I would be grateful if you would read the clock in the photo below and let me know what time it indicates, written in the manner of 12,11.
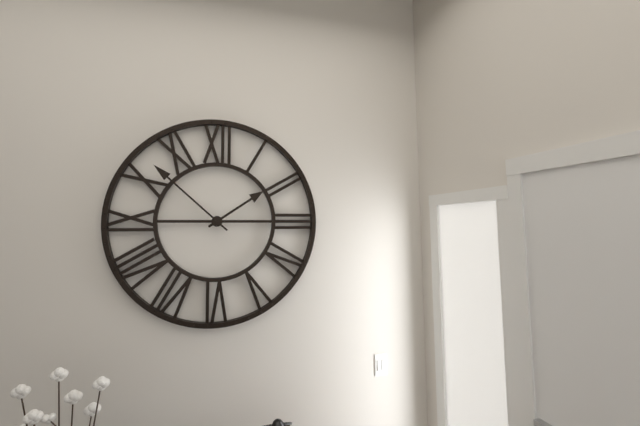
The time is 1,52
